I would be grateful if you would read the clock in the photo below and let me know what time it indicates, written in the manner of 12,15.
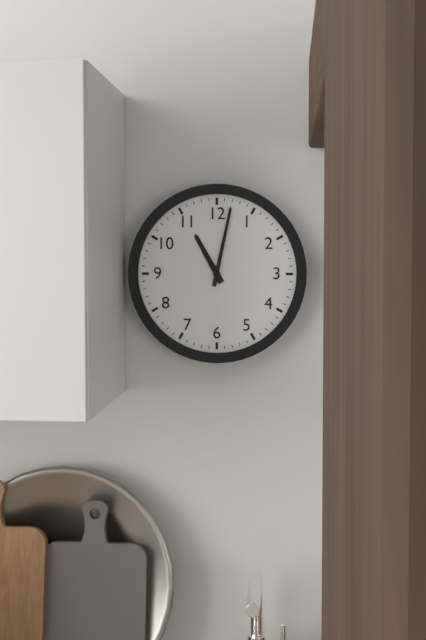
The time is 11,02
